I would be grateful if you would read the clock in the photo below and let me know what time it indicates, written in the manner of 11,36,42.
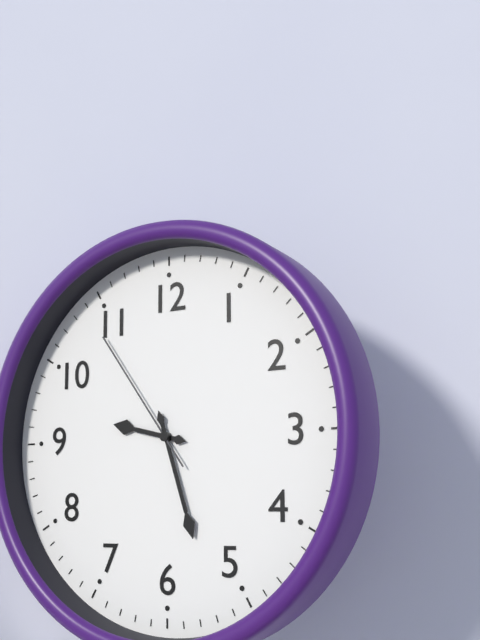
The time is 9,27,54
